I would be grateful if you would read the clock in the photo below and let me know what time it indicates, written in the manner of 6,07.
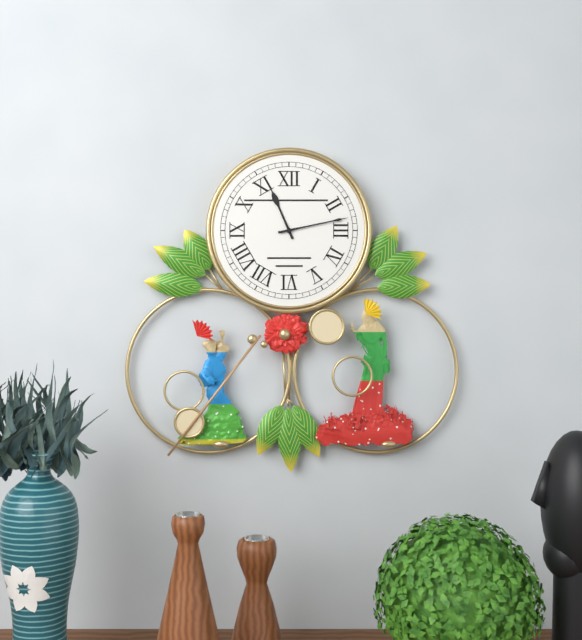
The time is 11,13
